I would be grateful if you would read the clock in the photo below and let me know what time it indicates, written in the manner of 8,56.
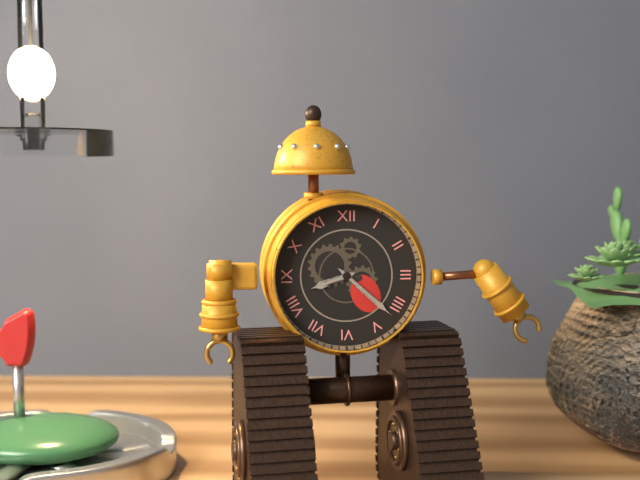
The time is 8,22
